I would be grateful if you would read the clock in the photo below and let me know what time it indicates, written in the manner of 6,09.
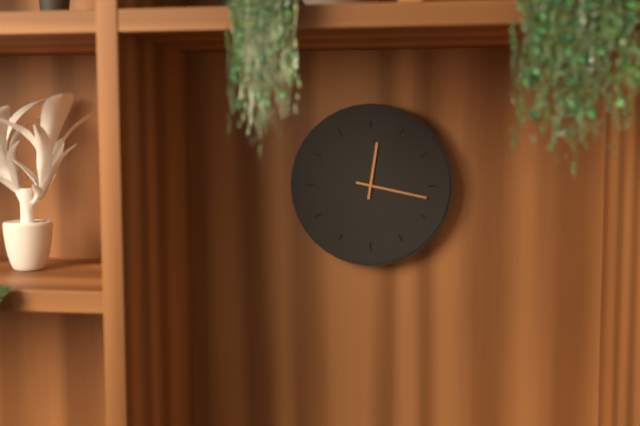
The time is 12,17
